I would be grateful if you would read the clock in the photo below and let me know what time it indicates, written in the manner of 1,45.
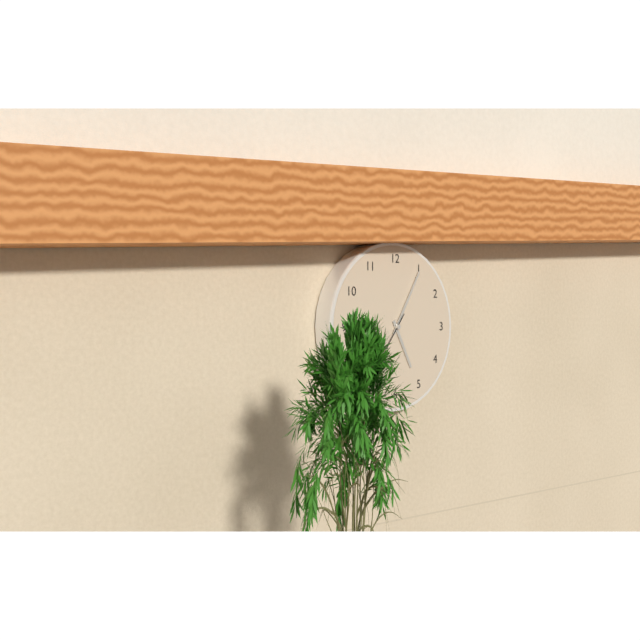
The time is 5,05
